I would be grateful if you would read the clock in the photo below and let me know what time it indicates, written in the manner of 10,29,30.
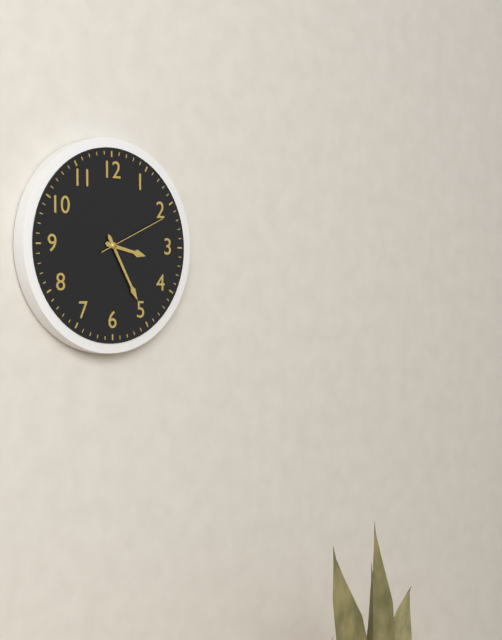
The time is 3,25,11
